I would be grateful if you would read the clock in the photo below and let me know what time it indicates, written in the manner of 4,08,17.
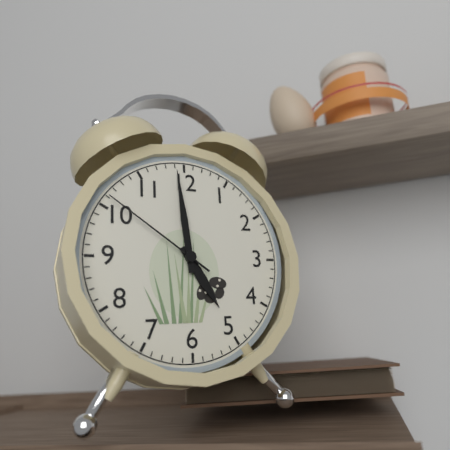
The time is 4,59,51
